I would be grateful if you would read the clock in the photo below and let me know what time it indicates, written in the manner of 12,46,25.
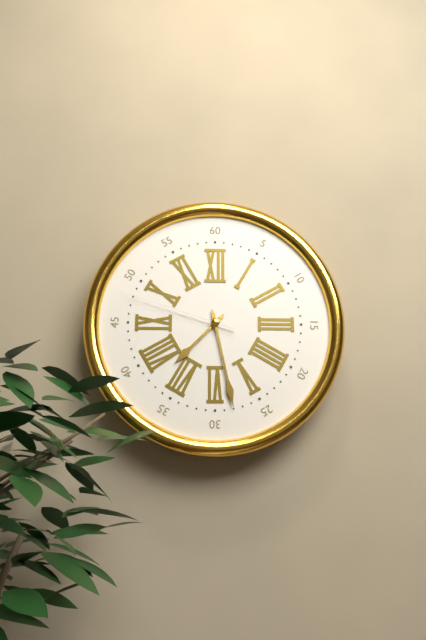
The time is 7,28,48
